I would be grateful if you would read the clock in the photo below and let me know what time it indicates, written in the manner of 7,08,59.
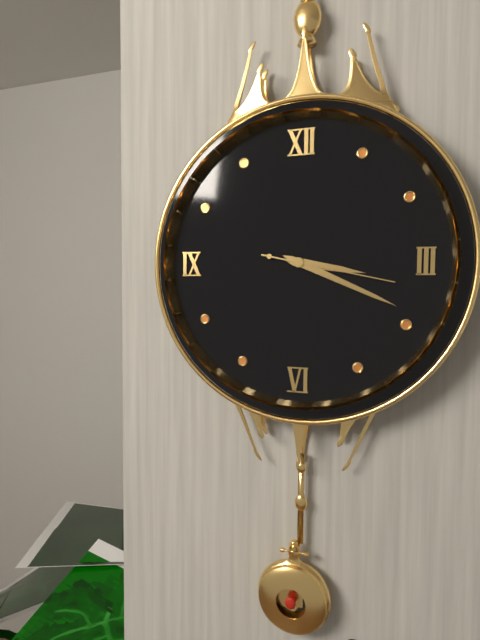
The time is 3,19,17
